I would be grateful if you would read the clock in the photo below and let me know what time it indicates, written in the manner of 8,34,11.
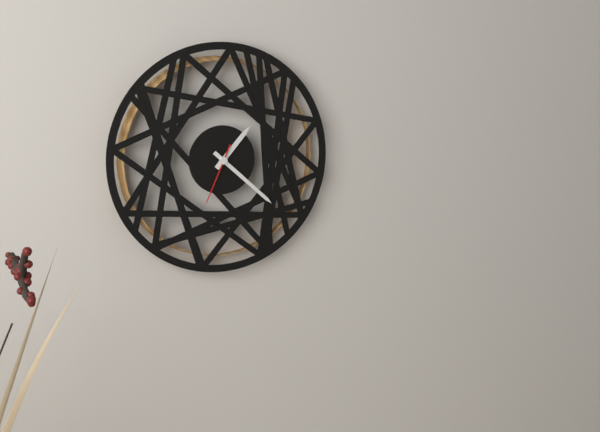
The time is 1,22,34
